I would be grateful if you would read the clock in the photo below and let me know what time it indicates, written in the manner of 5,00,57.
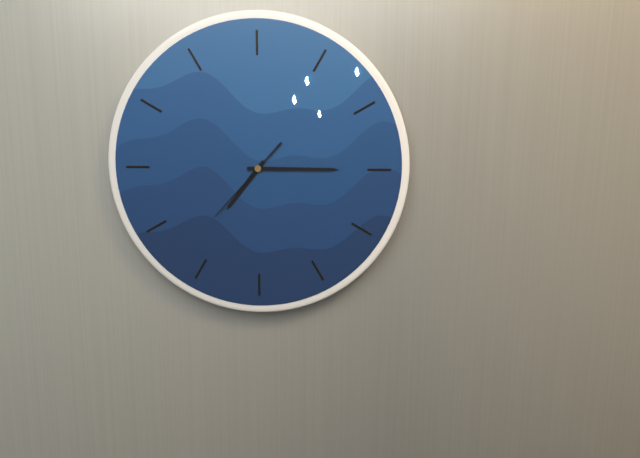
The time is 7,15,37
